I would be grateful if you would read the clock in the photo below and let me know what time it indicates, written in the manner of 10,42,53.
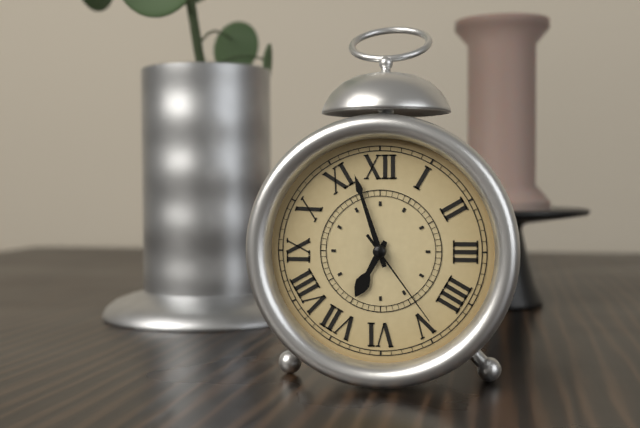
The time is 6,57,24
